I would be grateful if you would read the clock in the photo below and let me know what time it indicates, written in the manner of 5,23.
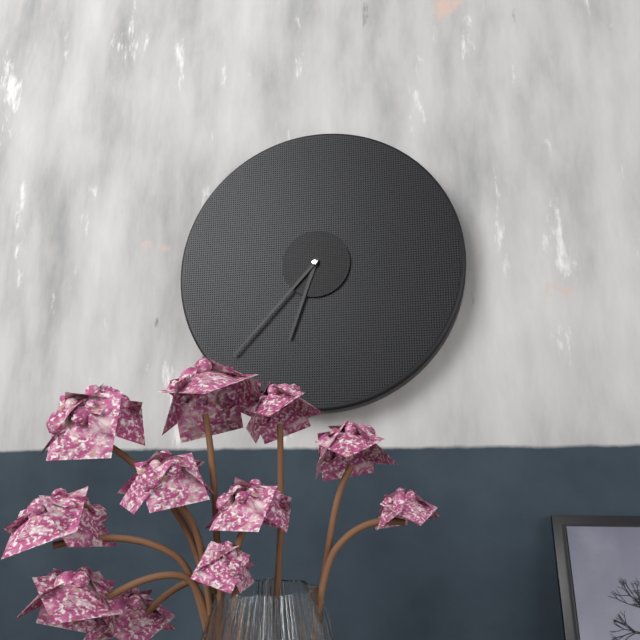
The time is 6,37
